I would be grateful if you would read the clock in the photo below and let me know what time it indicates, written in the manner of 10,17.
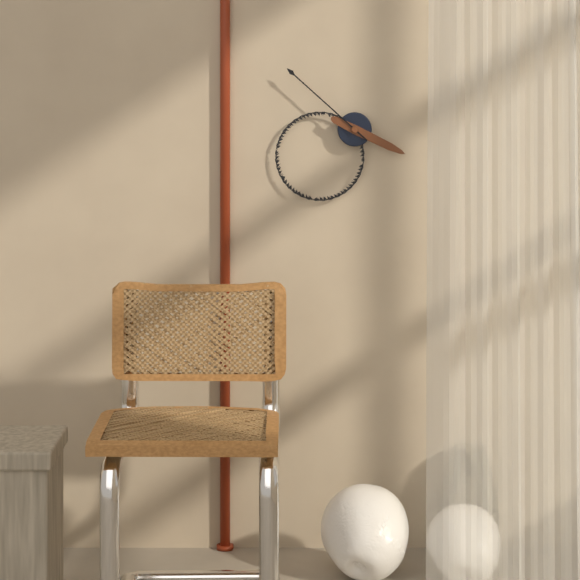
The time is 3,52
